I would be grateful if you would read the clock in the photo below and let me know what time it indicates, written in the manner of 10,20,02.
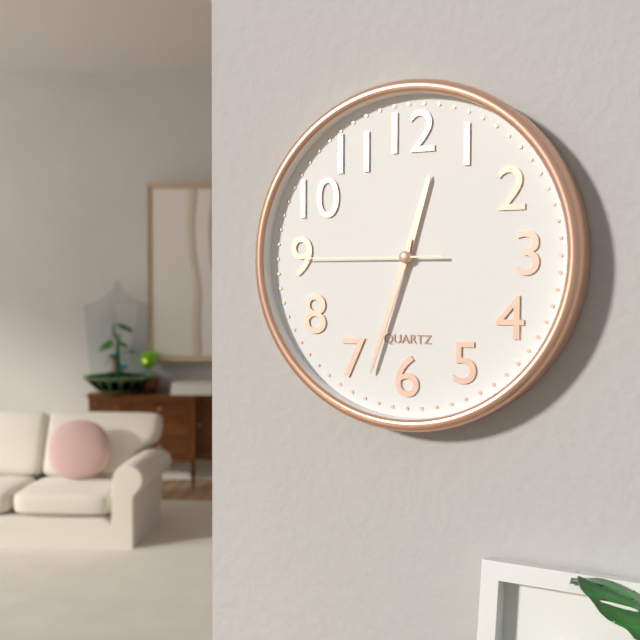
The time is 12,33,45
